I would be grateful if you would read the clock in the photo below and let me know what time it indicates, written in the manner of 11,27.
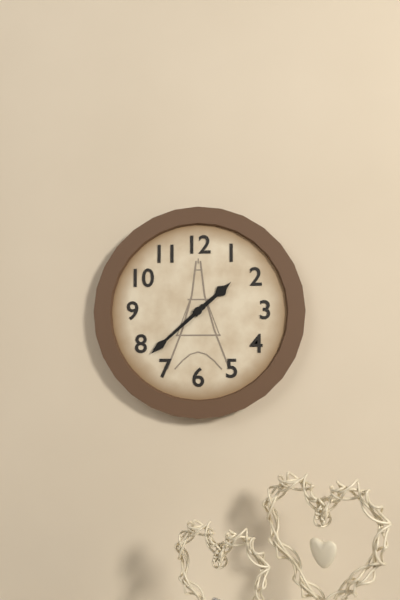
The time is 1,38
